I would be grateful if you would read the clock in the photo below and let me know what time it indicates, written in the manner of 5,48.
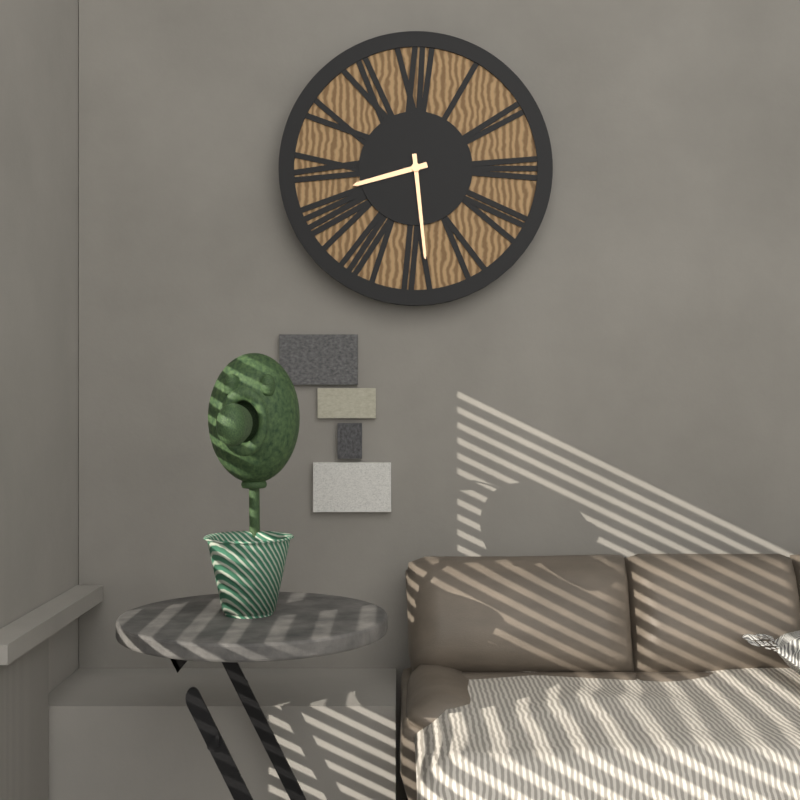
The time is 8,29
